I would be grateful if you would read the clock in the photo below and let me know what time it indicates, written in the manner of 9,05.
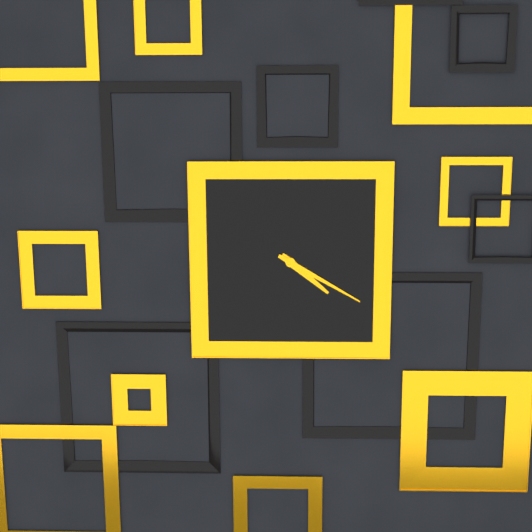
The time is 4,20
